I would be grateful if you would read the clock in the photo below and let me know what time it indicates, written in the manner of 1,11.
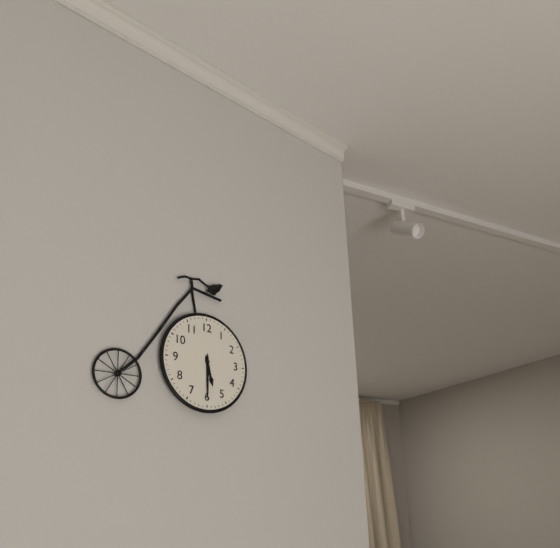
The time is 5,30
